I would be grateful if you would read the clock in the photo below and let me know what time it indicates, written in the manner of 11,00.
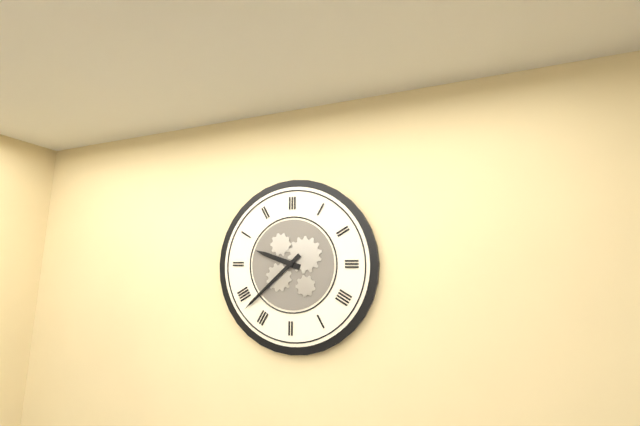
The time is 9,38
